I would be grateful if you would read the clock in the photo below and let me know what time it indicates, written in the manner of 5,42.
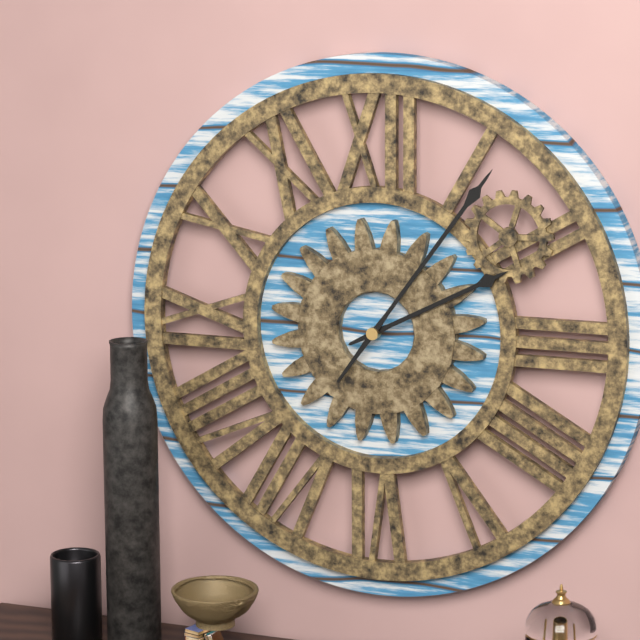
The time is 2,06
